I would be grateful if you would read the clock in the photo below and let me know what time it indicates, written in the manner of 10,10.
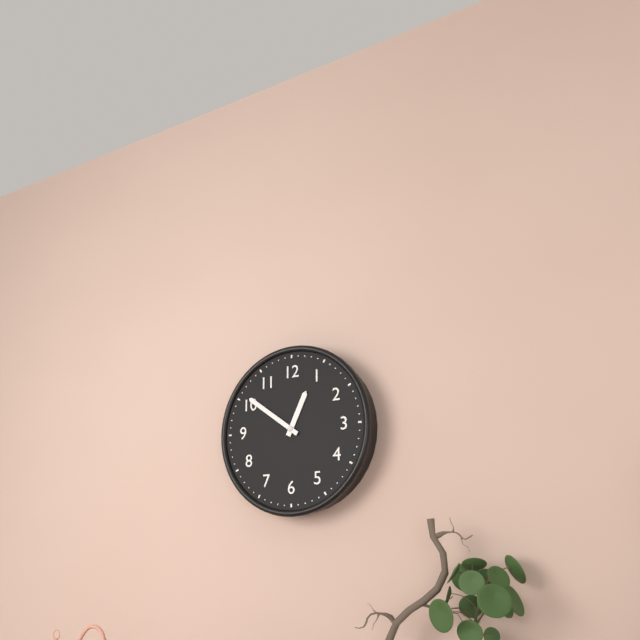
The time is 12,51
